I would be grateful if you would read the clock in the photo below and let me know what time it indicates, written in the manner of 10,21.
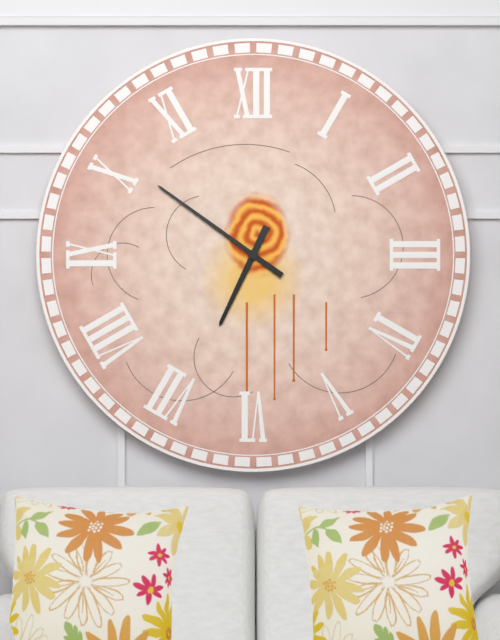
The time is 6,51
